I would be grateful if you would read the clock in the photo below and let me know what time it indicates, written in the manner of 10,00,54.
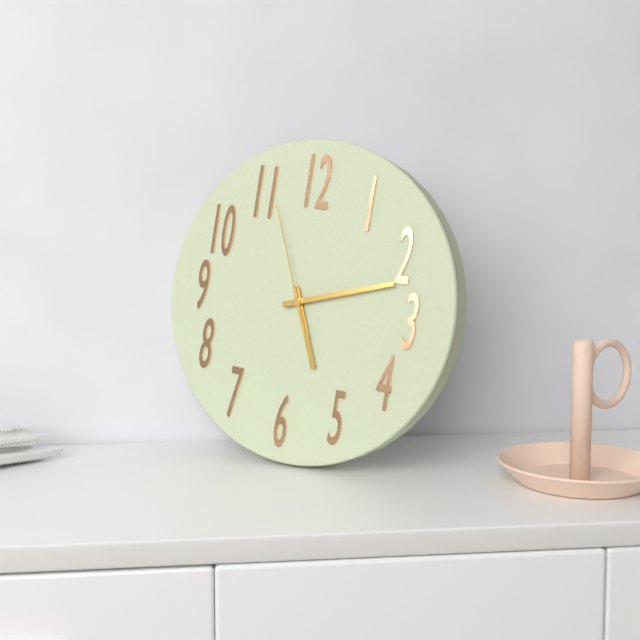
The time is 5,12,56
